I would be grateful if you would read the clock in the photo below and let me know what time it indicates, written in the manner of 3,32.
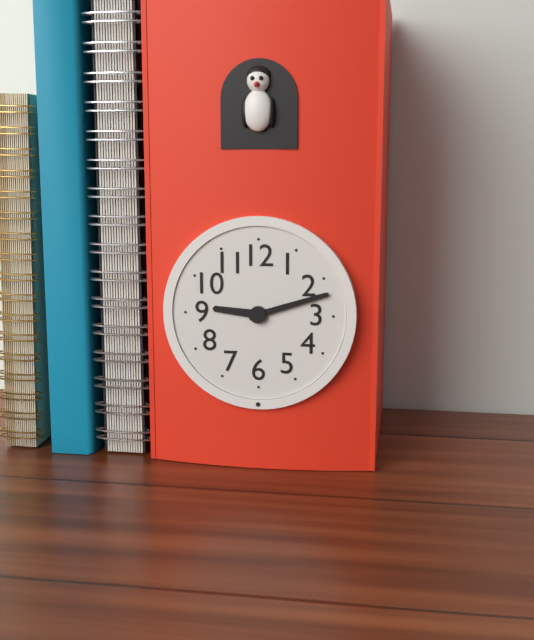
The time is 9,12
